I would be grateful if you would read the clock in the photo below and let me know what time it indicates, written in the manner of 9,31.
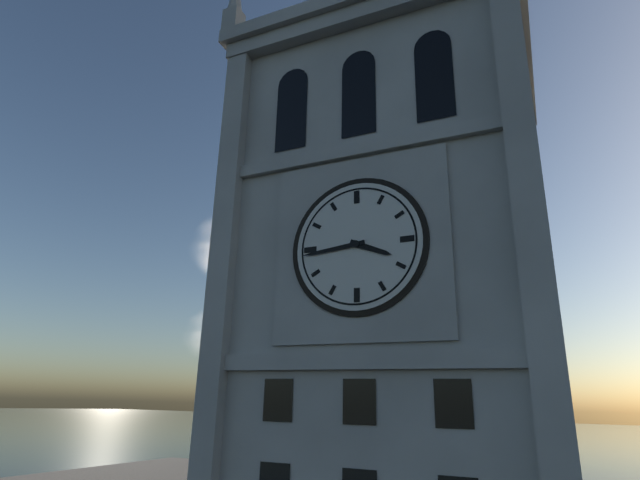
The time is 3,44
